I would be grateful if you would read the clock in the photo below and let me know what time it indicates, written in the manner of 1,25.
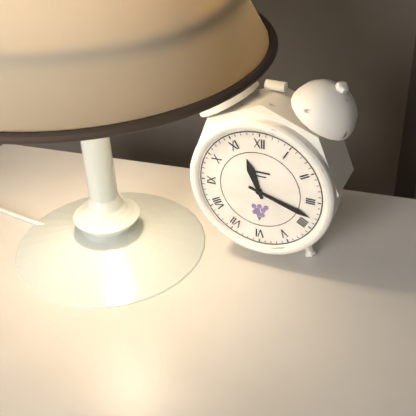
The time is 11,18
